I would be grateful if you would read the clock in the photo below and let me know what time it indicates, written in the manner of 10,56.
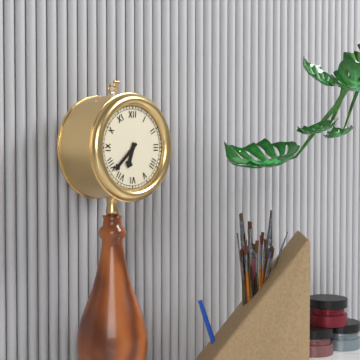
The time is 6,38
